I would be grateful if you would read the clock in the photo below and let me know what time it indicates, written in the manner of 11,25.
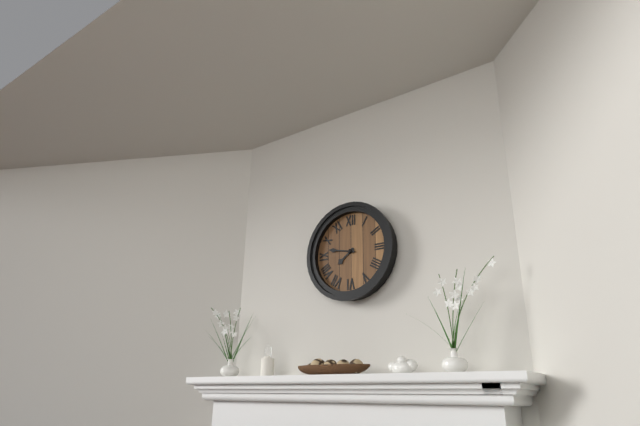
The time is 7,47
